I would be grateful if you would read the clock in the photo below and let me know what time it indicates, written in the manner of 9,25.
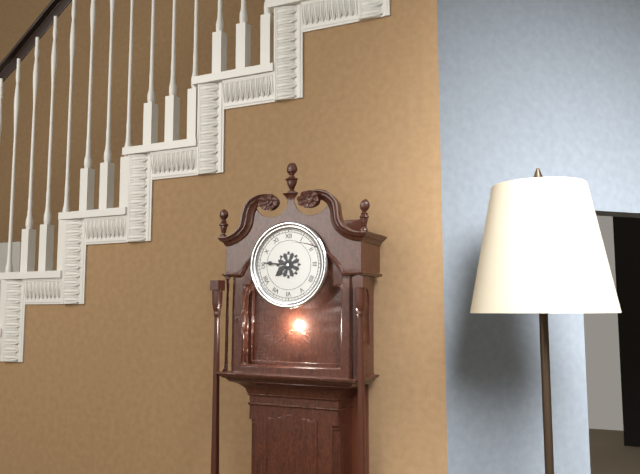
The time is 7,46
